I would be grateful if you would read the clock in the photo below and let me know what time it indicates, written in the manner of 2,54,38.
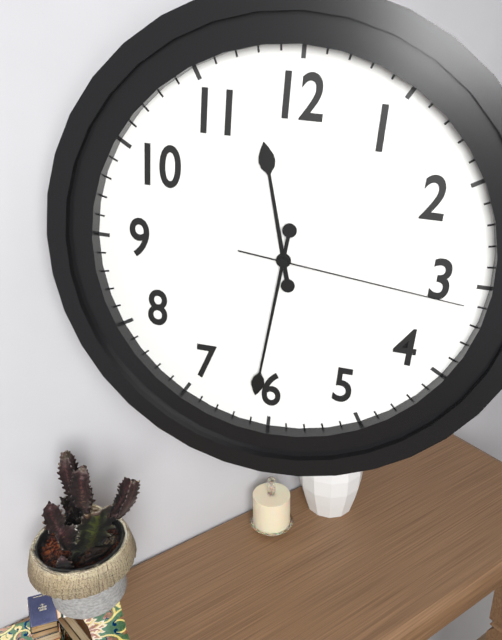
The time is 11,31,16
